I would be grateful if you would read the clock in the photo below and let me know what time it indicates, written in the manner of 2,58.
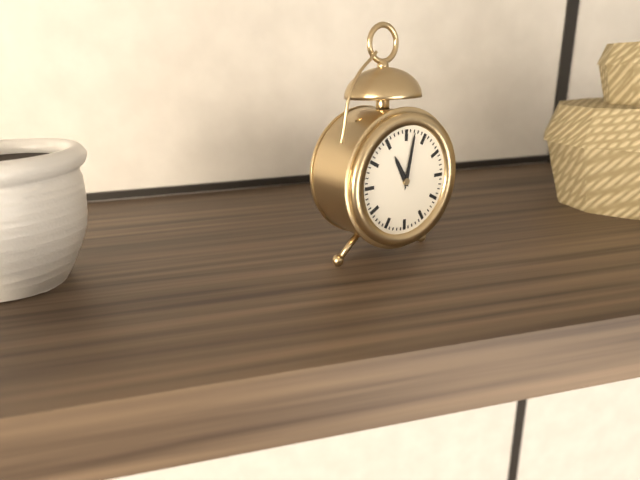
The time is 11,02
